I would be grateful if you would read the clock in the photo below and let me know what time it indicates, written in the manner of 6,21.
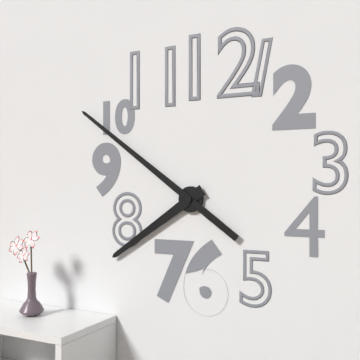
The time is 7,51
